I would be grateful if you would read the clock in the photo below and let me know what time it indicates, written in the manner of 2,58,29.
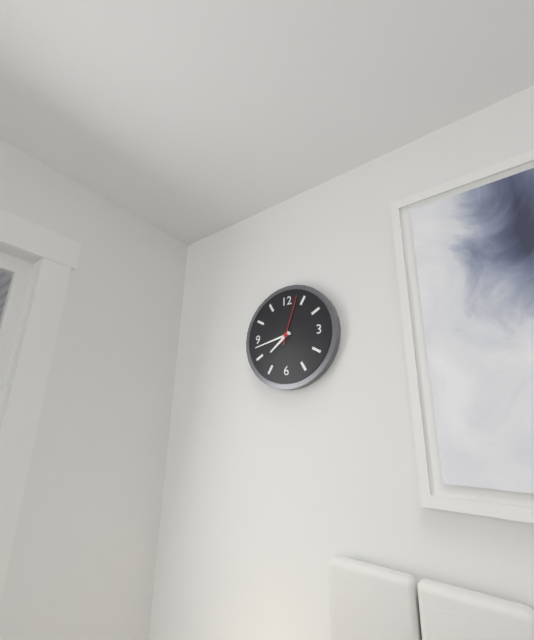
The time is 7,43,03
